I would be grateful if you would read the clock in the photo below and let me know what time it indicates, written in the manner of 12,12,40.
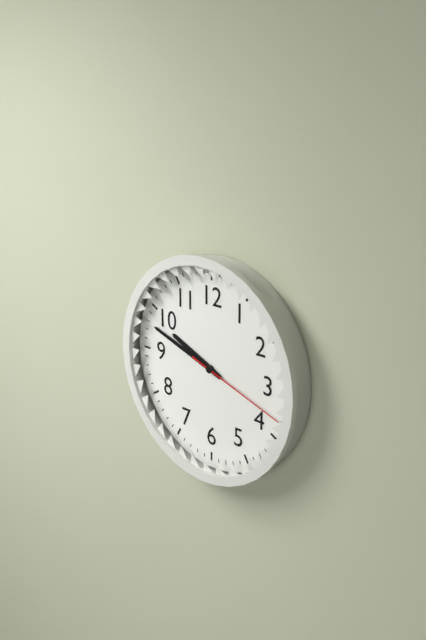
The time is 9,48,18
